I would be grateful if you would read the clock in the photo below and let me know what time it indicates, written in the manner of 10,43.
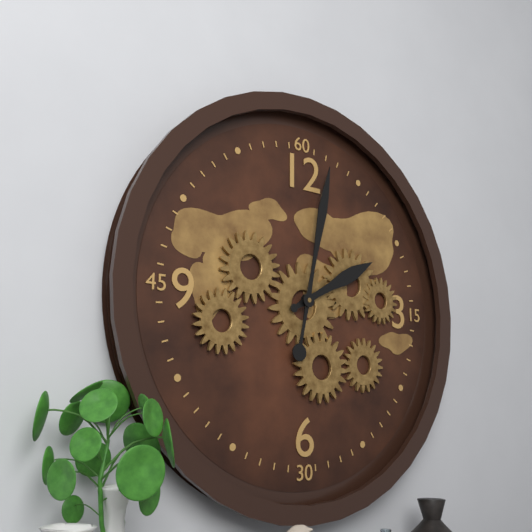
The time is 2,02
